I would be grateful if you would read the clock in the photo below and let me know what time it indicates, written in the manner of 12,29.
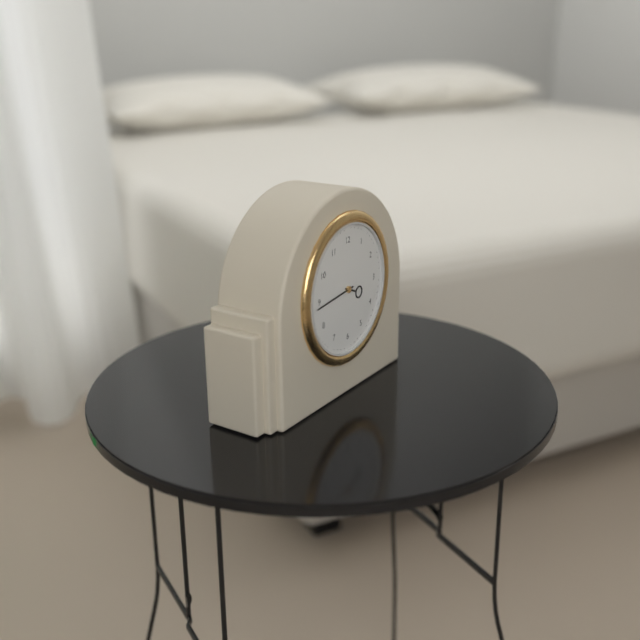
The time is 3,44
